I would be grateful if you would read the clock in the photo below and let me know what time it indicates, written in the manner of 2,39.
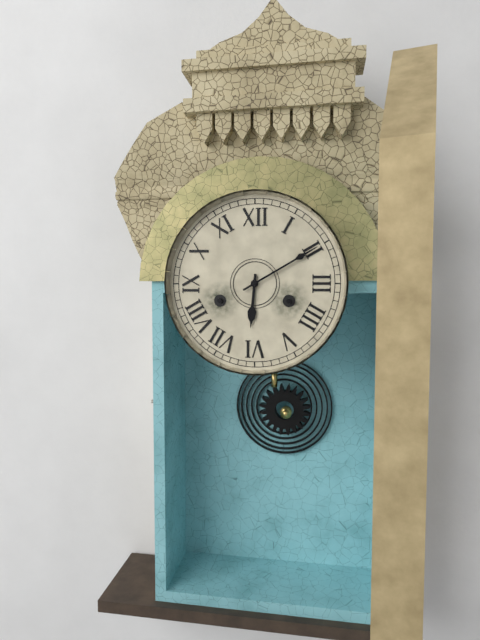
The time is 6,10
